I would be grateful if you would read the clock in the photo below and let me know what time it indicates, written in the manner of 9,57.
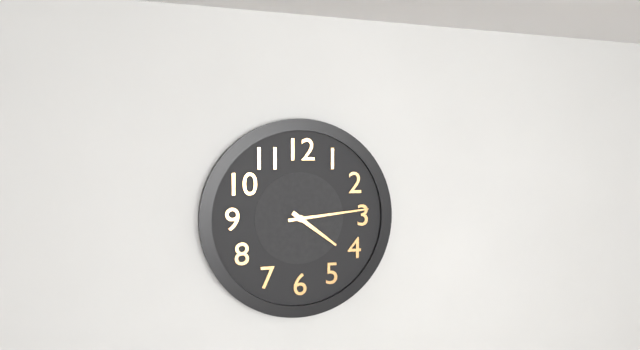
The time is 4,14
